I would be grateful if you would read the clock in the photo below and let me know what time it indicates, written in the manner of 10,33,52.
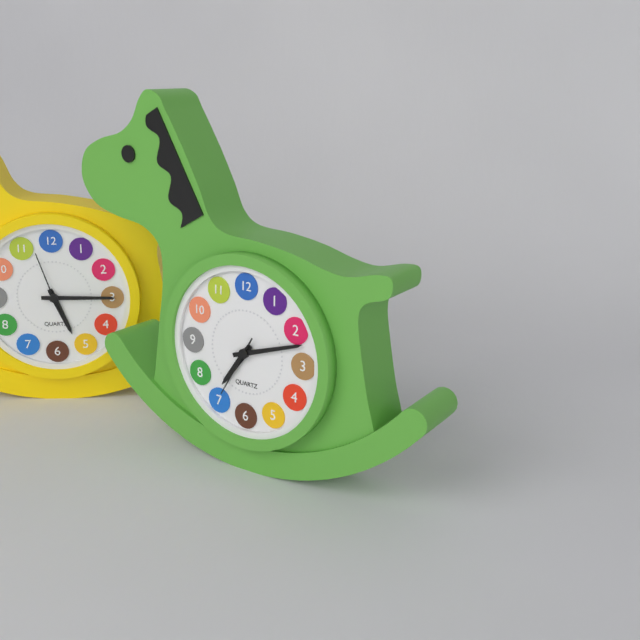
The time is 7,12,35
